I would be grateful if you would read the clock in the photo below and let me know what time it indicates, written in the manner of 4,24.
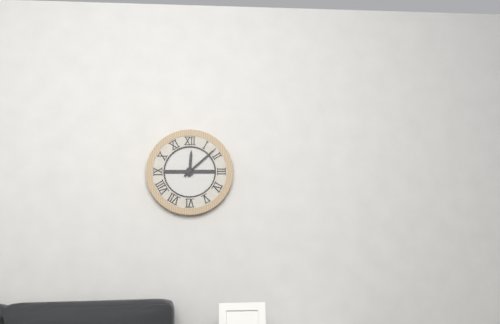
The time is 12,08
